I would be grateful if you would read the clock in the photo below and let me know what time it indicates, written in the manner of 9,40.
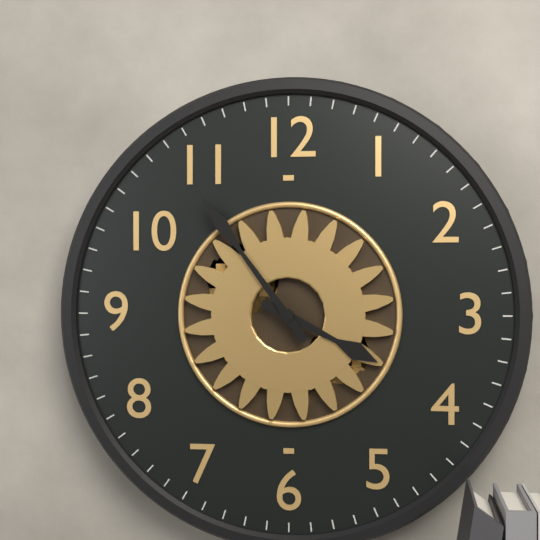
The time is 3,54
